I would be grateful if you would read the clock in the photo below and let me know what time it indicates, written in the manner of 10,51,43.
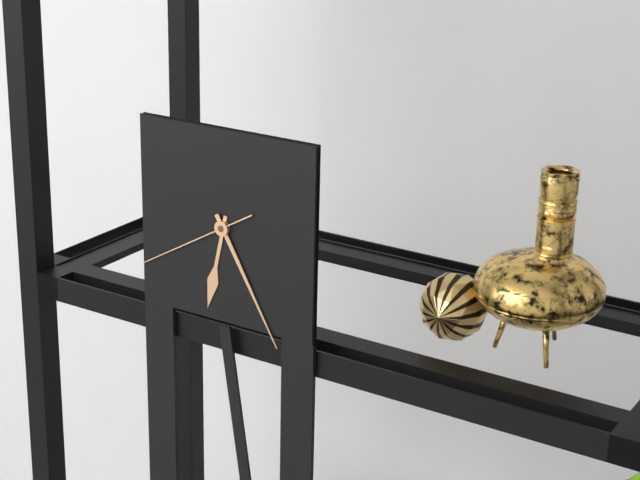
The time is 6,25,40
